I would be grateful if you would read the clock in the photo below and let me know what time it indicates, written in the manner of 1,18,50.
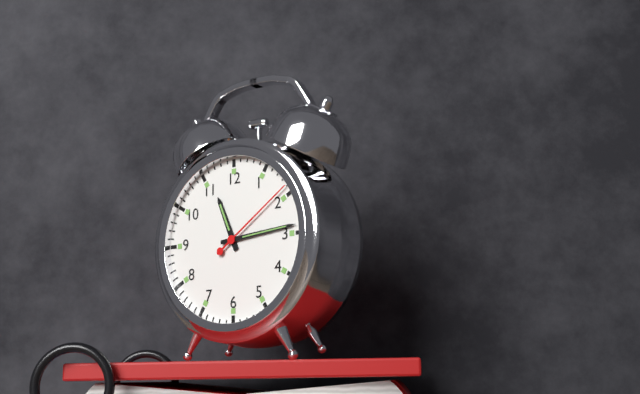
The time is 11,14,09
